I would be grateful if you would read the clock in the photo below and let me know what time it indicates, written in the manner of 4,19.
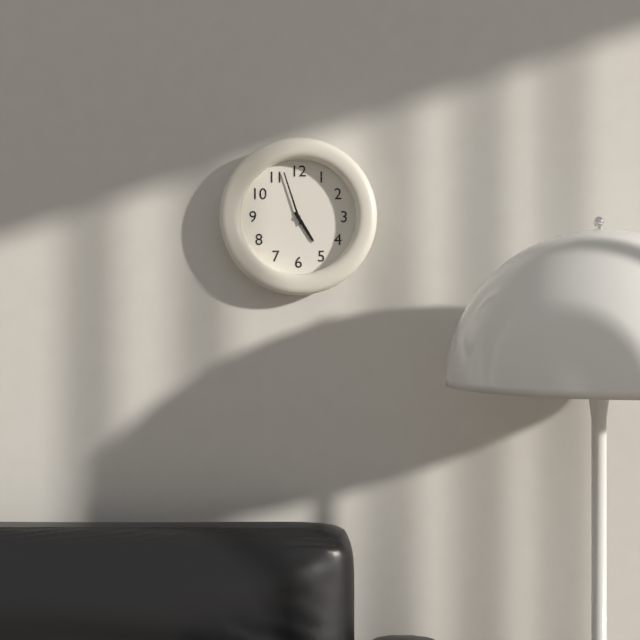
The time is 4,57
